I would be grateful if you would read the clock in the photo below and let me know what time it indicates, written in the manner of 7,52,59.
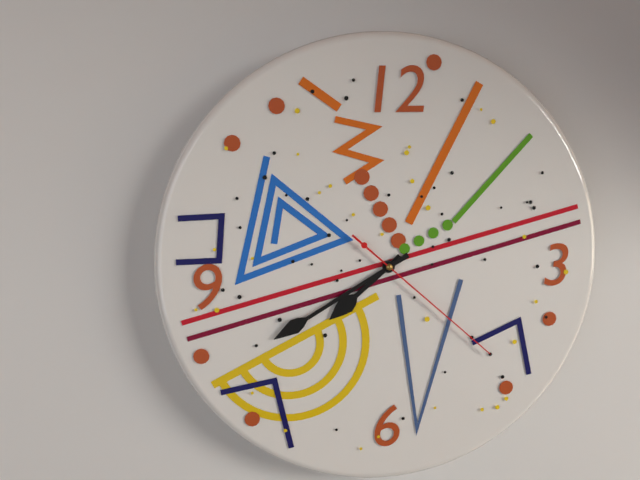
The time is 7,40,22
